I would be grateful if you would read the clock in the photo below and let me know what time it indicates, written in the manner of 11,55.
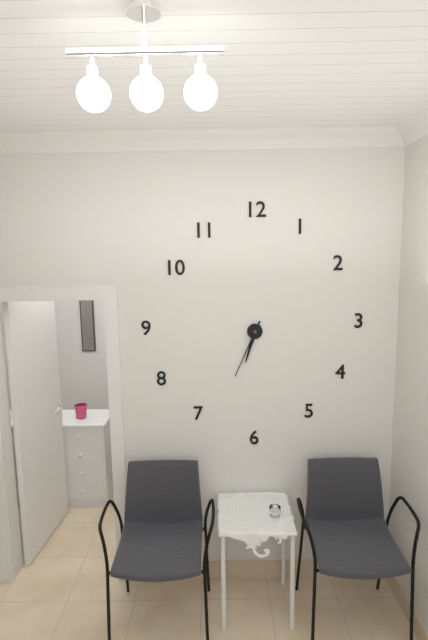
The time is 6,34
